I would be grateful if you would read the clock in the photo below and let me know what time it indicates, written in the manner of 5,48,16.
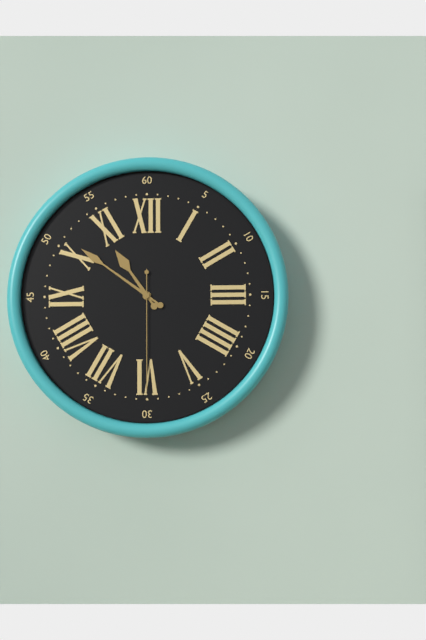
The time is 10,51,30
